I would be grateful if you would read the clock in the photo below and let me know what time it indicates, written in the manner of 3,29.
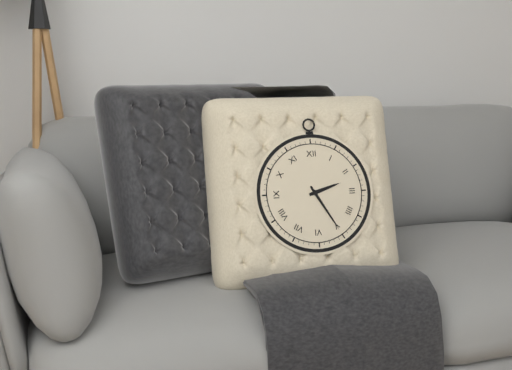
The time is 2,25
